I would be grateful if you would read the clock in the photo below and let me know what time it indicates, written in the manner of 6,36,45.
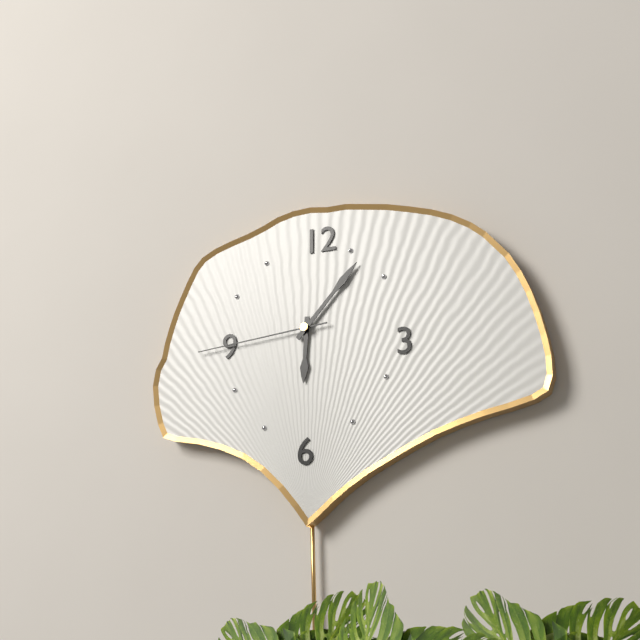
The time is 6,07,44
